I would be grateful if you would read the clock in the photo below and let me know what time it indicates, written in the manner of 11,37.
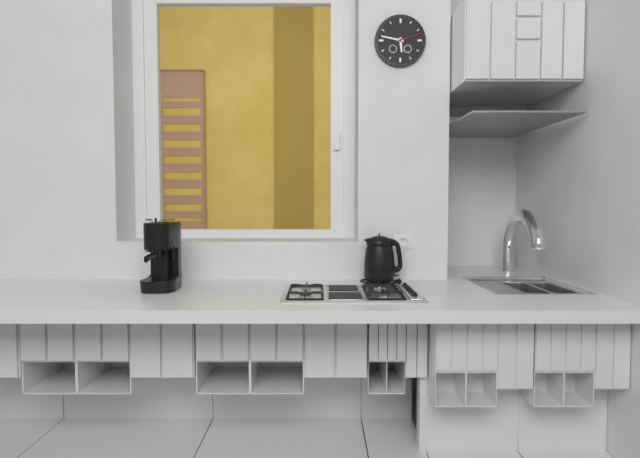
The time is 5,47
